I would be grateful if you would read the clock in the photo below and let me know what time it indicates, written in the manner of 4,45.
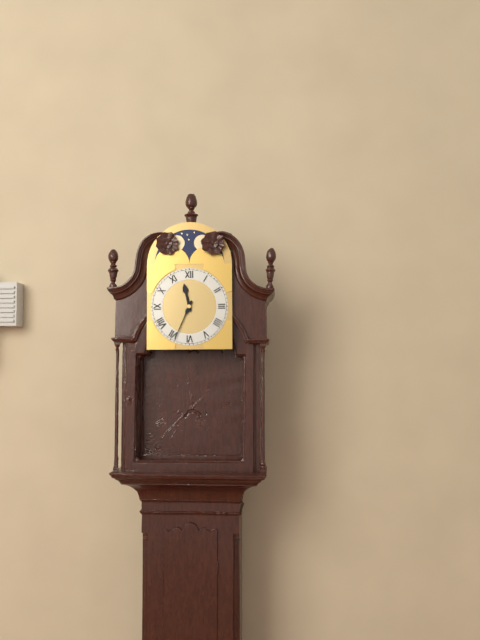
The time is 11,34
